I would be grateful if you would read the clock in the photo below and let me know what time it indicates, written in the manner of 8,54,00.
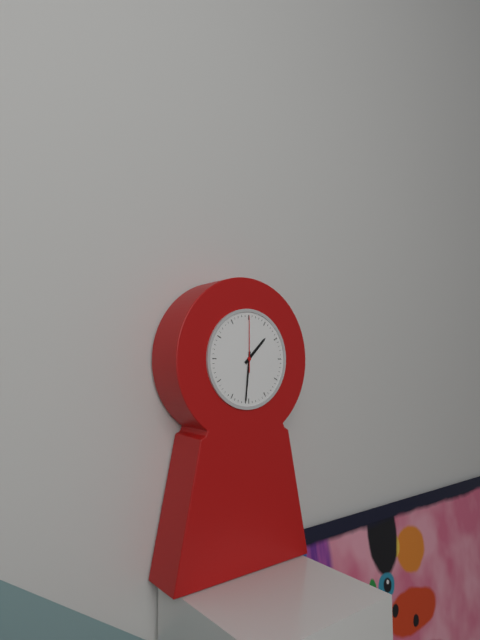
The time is 1,31,00
